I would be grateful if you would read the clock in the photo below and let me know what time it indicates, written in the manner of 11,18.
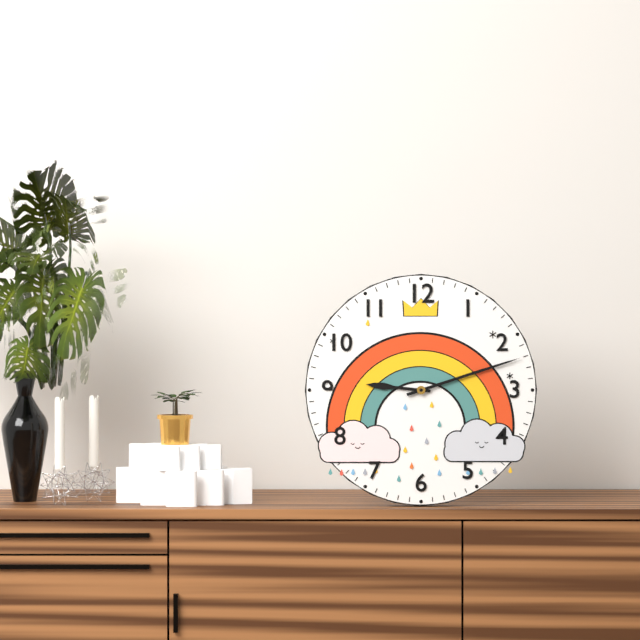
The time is 9,12
